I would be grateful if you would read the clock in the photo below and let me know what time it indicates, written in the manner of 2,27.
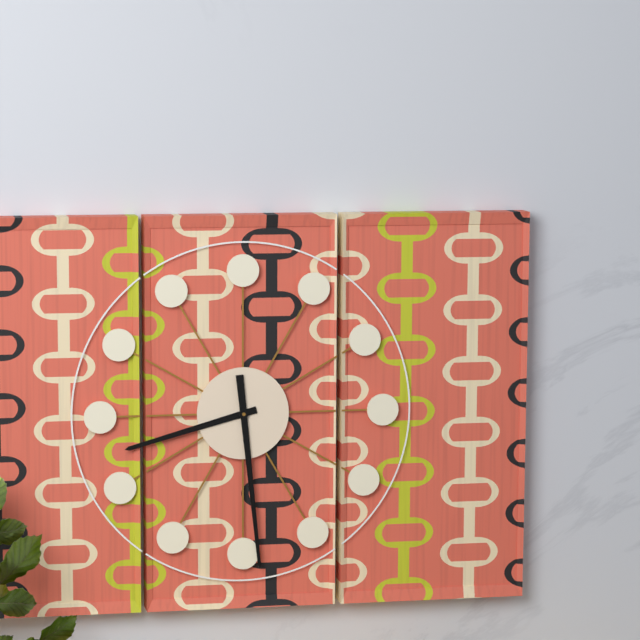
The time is 8,29
